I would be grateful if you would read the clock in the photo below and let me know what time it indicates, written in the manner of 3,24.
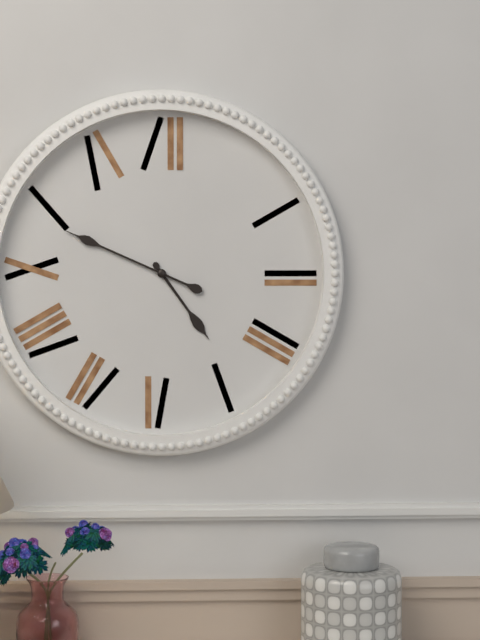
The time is 4,49
